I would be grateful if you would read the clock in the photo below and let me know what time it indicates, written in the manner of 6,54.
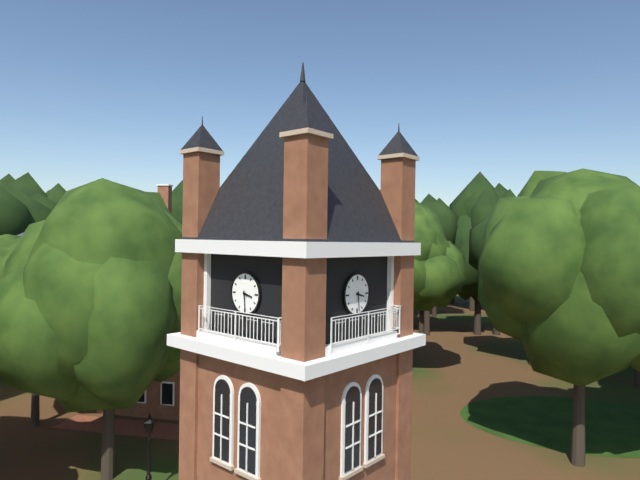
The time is 3,29
